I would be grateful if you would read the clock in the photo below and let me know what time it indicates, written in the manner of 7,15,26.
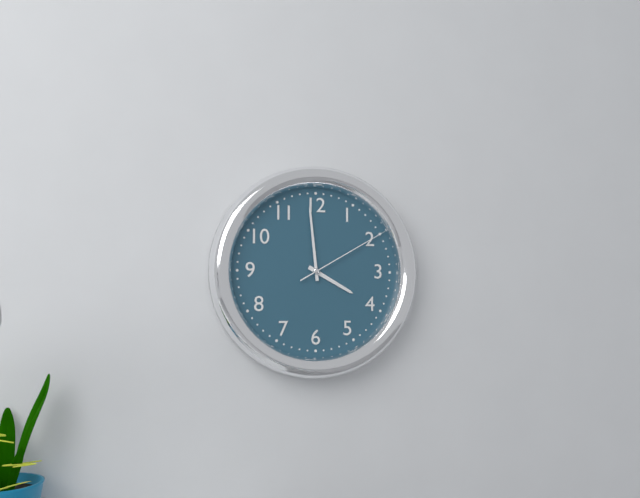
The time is 3,59,10
